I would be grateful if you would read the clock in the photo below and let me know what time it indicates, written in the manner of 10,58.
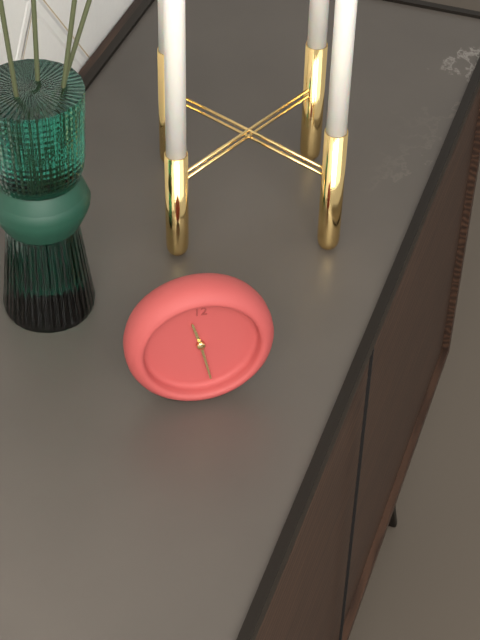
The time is 11,28
